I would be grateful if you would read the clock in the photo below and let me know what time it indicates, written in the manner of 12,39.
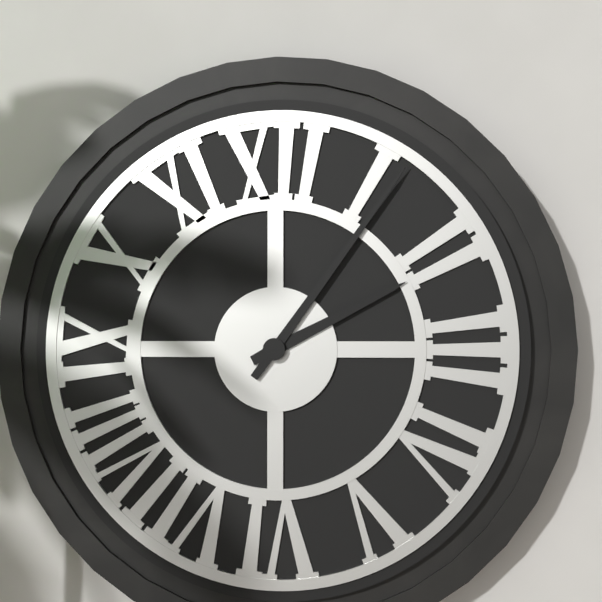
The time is 2,06
